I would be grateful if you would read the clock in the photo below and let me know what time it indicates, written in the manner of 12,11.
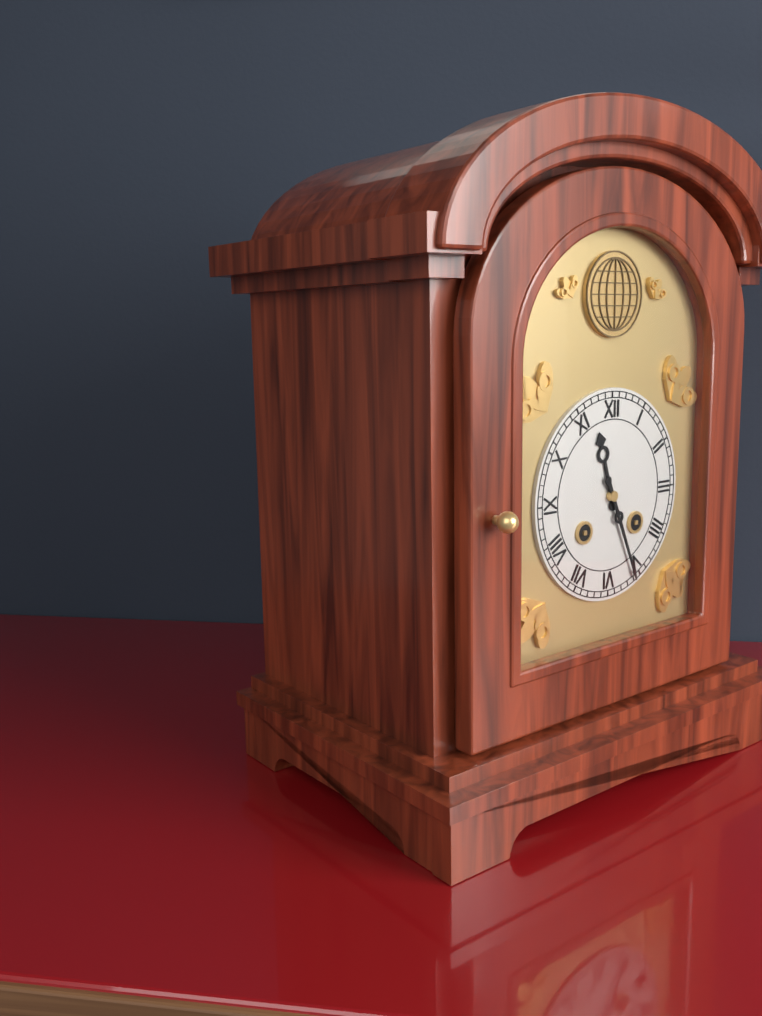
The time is 11,26
